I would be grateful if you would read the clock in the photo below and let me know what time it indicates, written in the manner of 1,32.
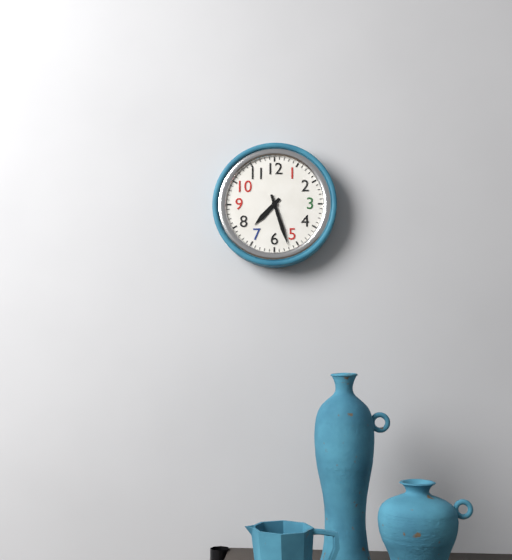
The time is 7,27
